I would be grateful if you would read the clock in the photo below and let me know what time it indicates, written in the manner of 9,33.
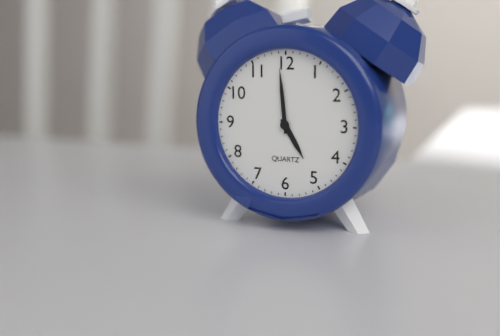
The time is 4,59
